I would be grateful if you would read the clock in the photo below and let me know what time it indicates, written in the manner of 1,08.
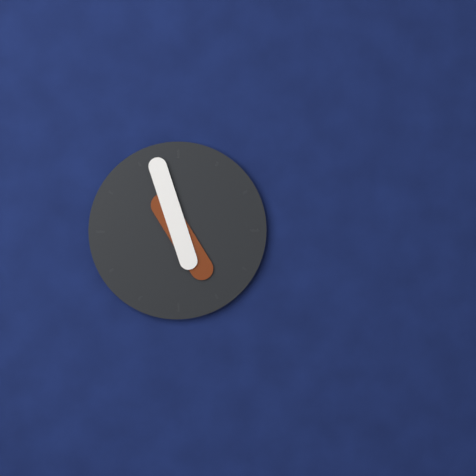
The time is 4,57
